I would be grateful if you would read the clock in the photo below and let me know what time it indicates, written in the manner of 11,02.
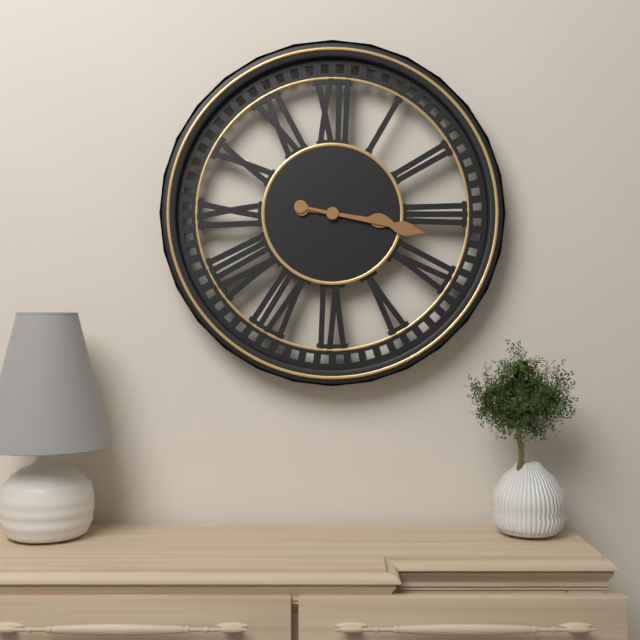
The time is 3,17
